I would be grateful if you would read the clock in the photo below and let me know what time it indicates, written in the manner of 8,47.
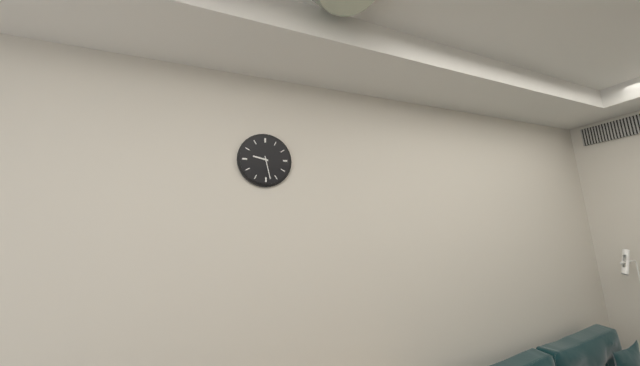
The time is 9,28
